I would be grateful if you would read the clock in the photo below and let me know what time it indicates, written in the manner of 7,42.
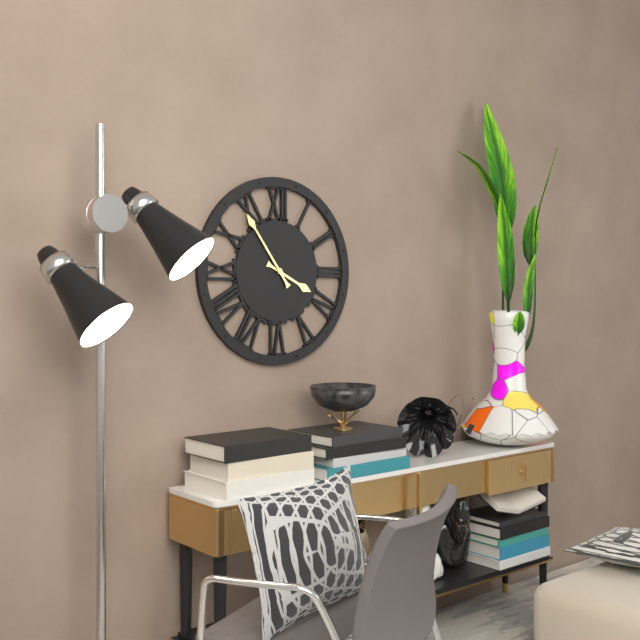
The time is 3,54
